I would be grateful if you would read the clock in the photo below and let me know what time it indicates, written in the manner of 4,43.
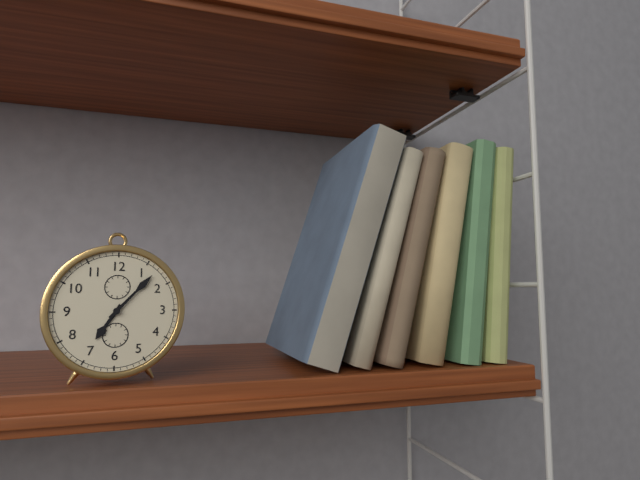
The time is 7,07
